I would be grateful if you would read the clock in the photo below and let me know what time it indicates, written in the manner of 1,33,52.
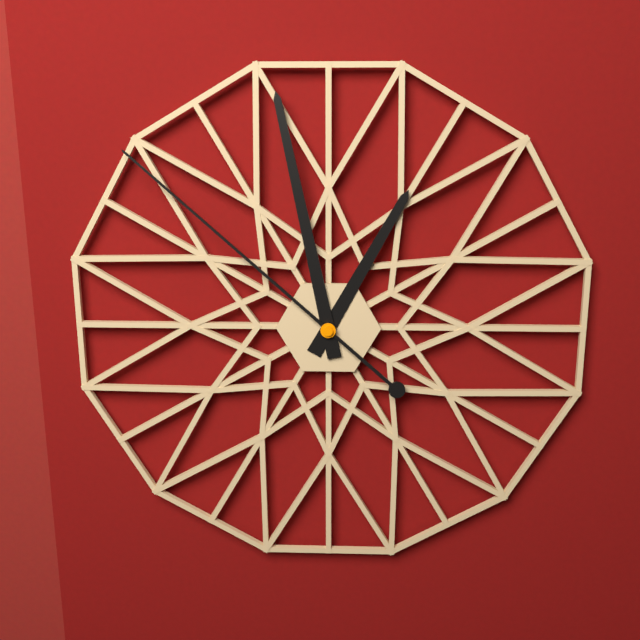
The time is 12,58,52
